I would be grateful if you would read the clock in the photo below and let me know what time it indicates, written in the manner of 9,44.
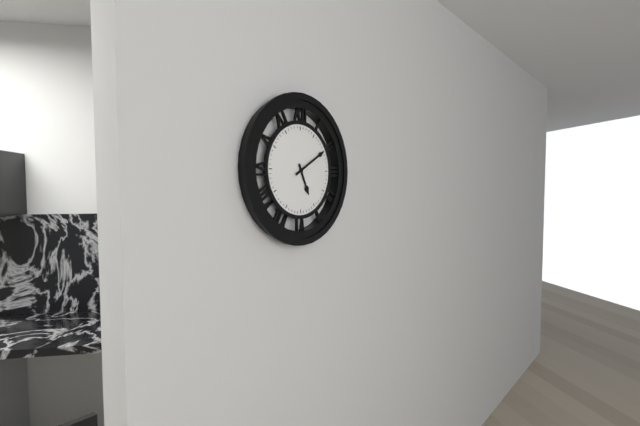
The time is 5,10
